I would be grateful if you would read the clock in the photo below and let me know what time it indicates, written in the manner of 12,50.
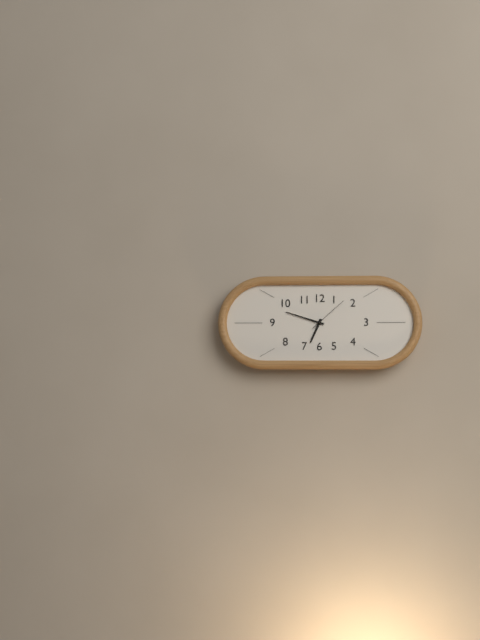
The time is 6,48
